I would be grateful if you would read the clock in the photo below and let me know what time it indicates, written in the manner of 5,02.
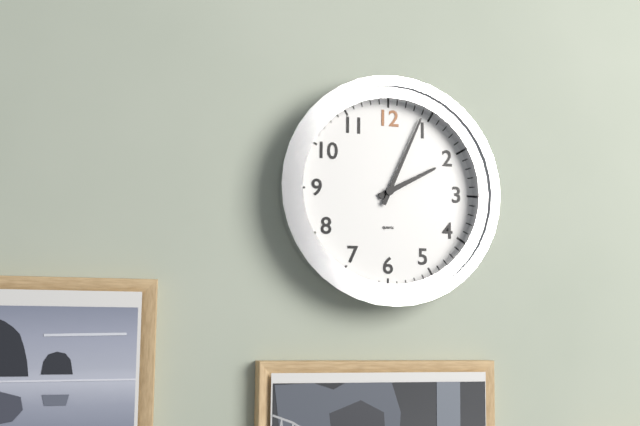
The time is 2,04
